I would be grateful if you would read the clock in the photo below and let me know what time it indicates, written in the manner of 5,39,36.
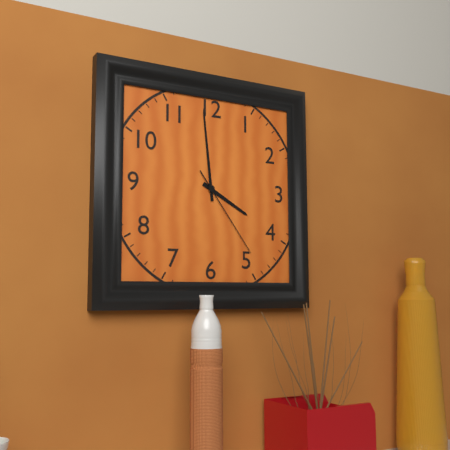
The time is 3,59,24
